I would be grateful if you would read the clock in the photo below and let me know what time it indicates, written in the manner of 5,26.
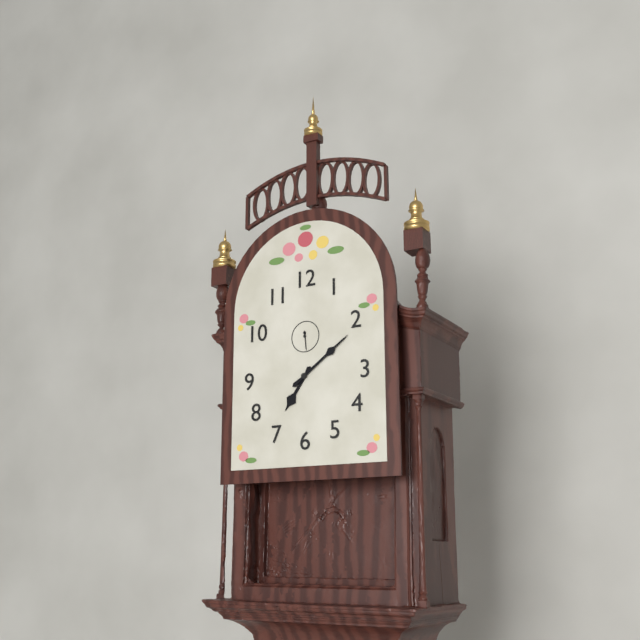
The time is 7,09
